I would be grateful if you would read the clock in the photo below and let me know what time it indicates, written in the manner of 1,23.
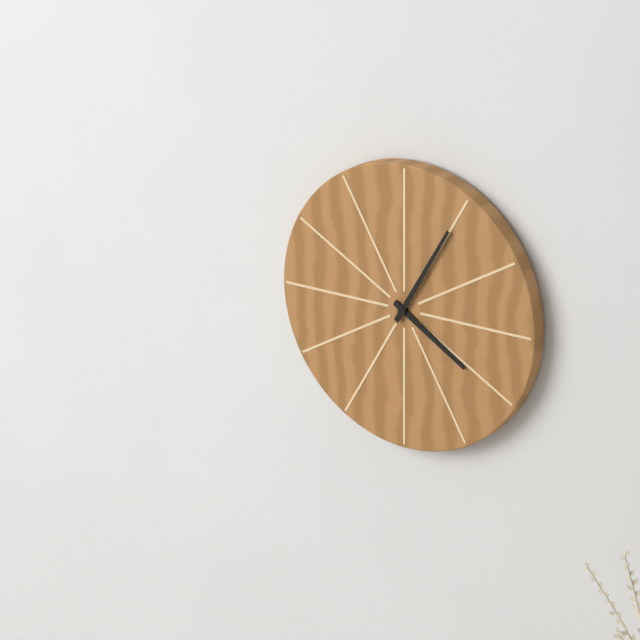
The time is 4,05
